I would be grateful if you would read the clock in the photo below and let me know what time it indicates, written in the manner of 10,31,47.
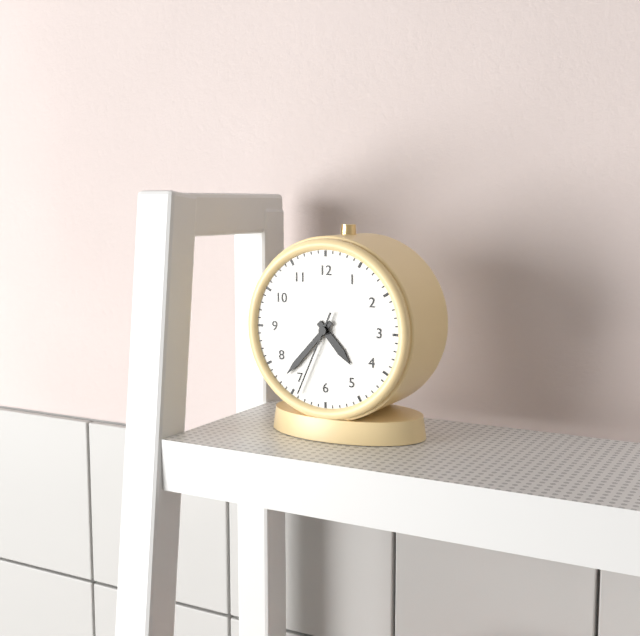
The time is 4,37,34
